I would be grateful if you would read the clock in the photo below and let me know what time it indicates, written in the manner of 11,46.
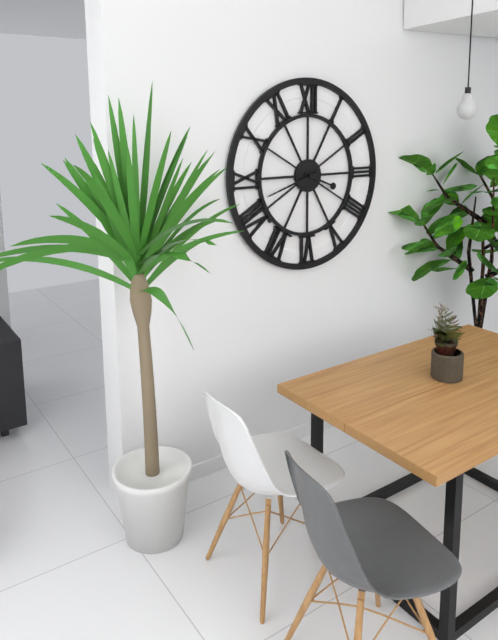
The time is 3,42
